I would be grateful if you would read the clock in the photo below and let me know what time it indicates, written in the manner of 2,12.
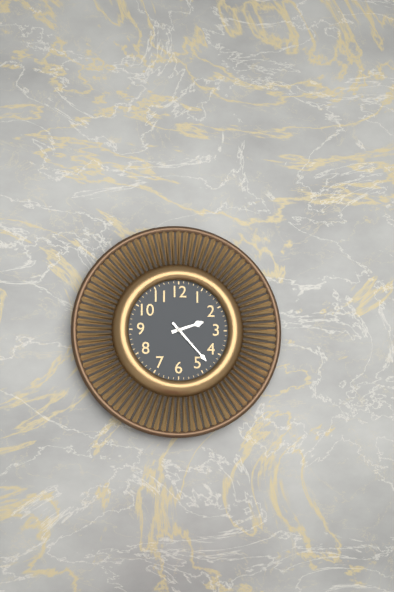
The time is 2,23
